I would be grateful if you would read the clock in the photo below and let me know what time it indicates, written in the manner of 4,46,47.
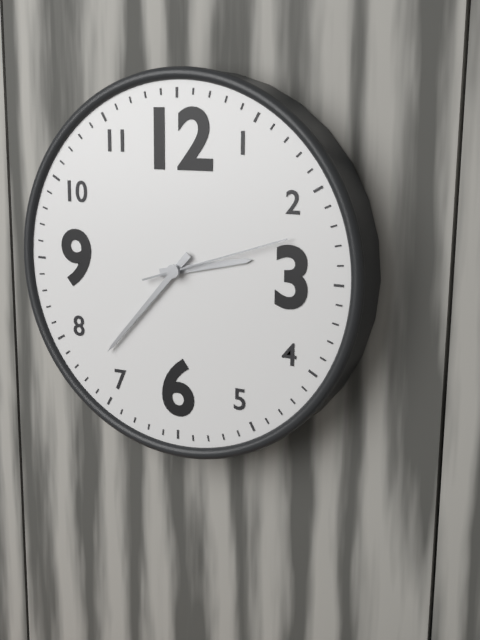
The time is 2,37,12
